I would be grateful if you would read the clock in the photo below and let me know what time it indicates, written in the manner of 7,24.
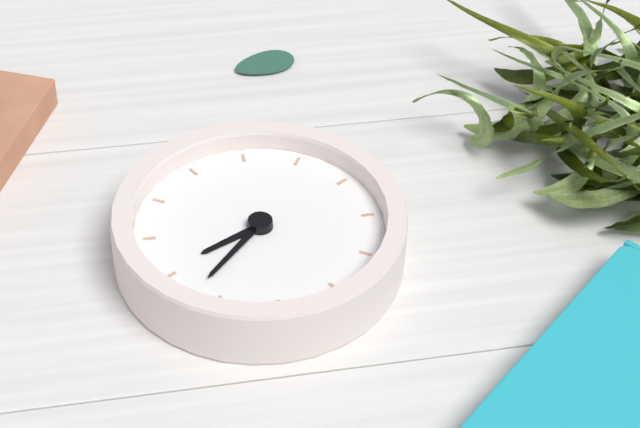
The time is 2,07
